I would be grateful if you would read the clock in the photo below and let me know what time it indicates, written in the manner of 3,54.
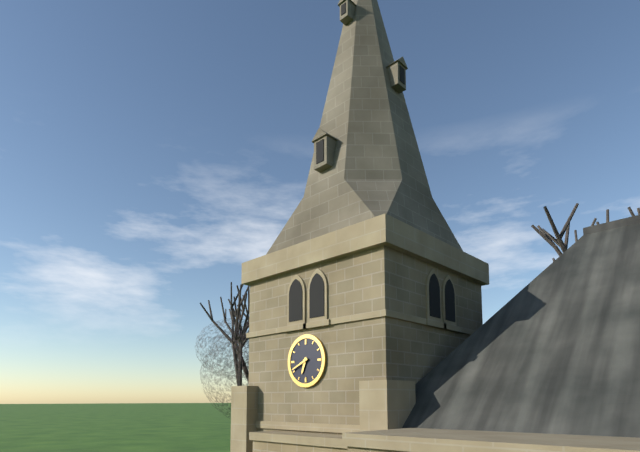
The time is 6,41
